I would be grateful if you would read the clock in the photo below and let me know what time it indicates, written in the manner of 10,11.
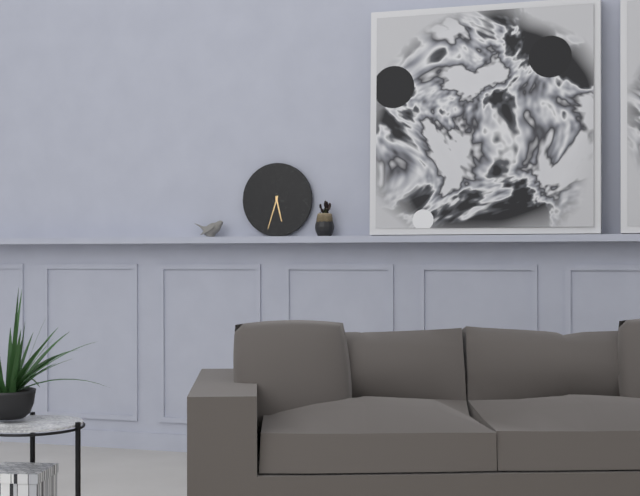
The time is 5,33
